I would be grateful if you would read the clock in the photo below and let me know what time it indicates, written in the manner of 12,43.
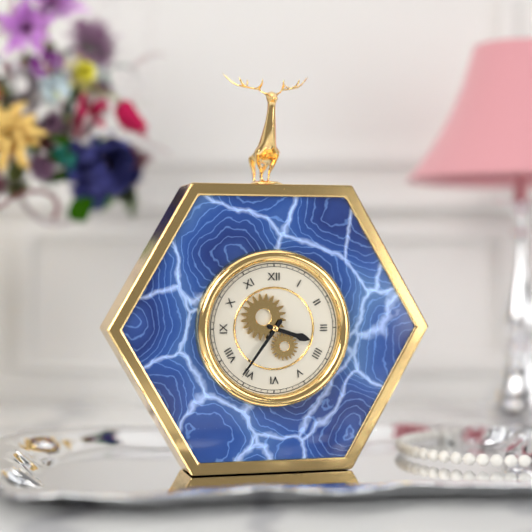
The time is 3,36
